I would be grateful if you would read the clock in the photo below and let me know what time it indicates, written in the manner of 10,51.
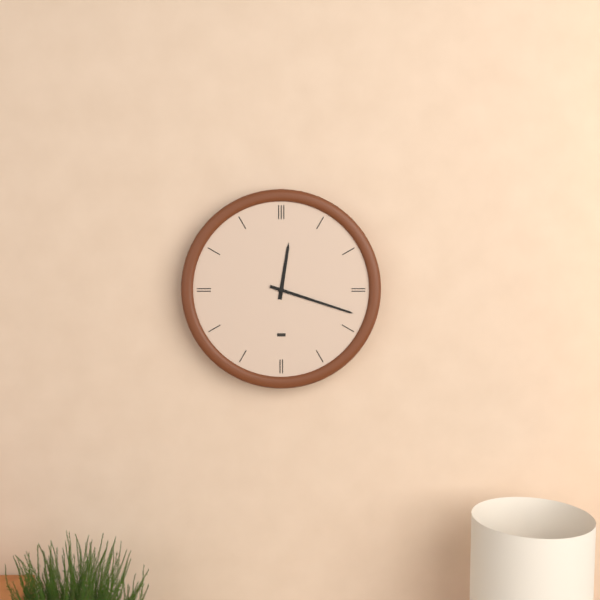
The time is 12,18
